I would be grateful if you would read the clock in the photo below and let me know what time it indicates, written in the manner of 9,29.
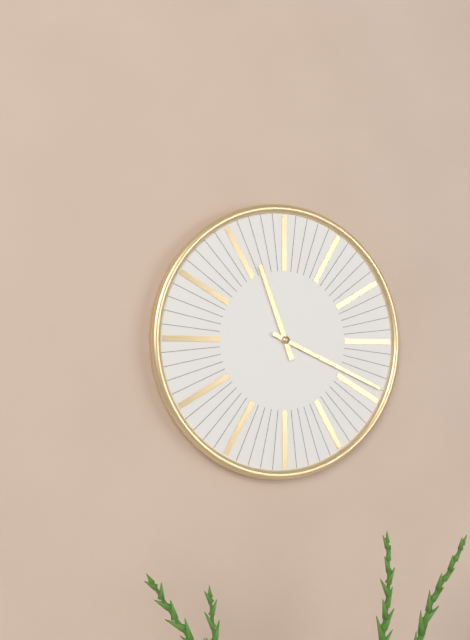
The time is 11,19
